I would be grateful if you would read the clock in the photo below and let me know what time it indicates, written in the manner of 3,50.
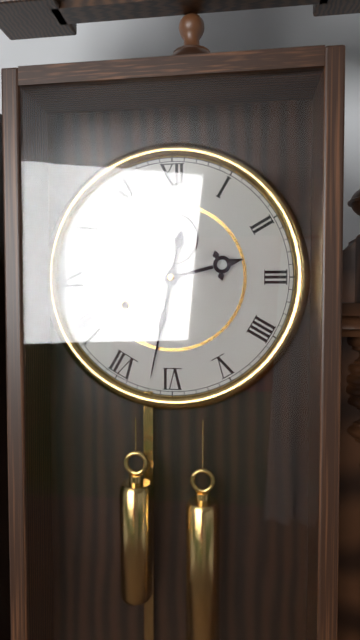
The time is 2,32
